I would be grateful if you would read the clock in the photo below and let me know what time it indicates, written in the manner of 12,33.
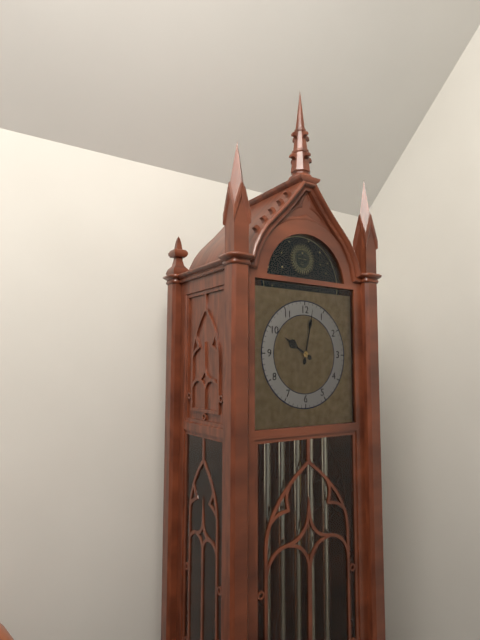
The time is 10,02
